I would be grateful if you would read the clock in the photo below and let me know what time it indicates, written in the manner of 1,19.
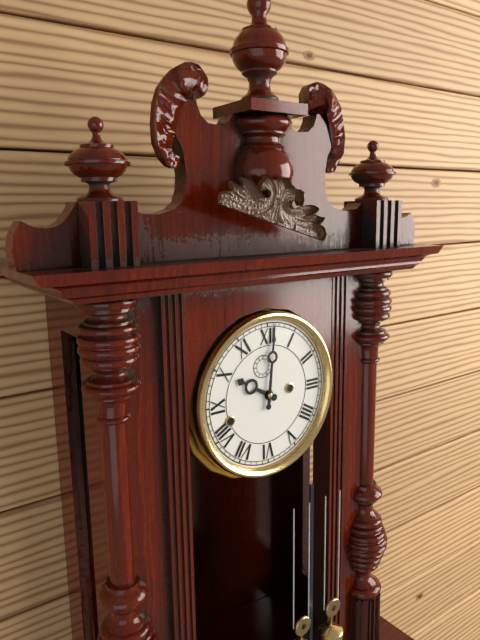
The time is 10,01
